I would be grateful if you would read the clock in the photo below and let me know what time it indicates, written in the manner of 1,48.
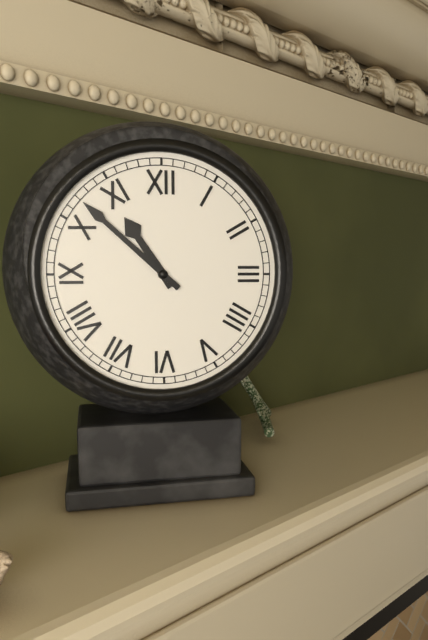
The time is 10,52
